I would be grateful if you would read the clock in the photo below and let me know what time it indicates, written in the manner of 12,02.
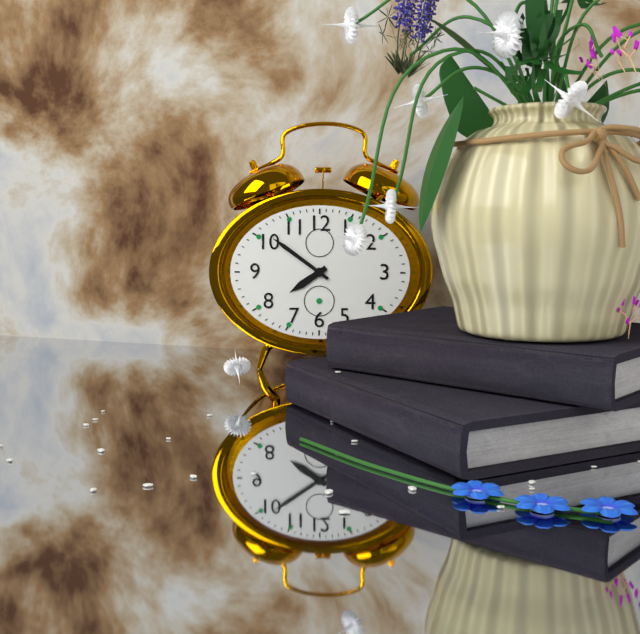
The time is 7,51
